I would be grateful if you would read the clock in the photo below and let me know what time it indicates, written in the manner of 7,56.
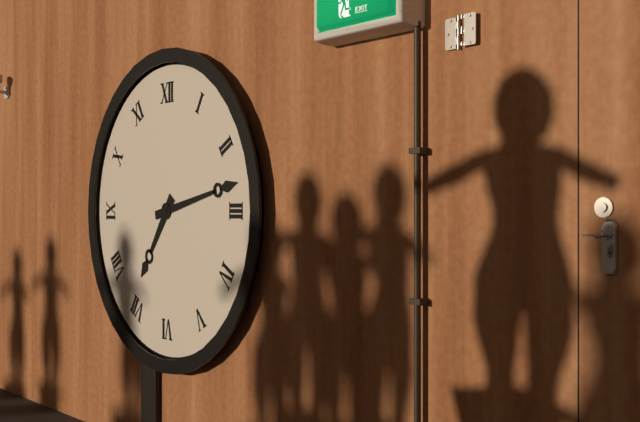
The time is 7,13
